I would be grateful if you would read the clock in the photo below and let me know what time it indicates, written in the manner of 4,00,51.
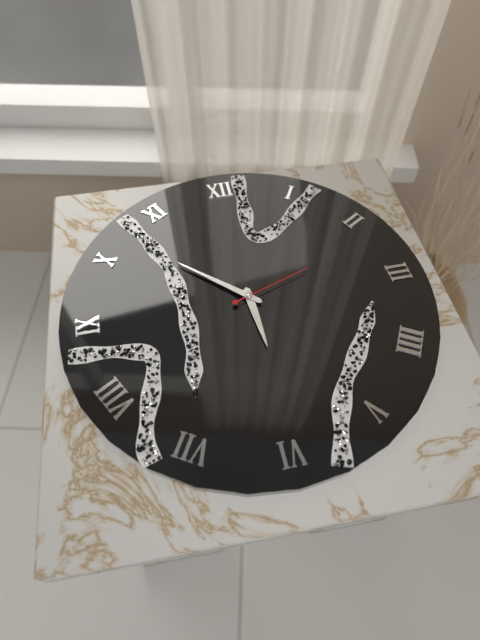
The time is 5,52,12
